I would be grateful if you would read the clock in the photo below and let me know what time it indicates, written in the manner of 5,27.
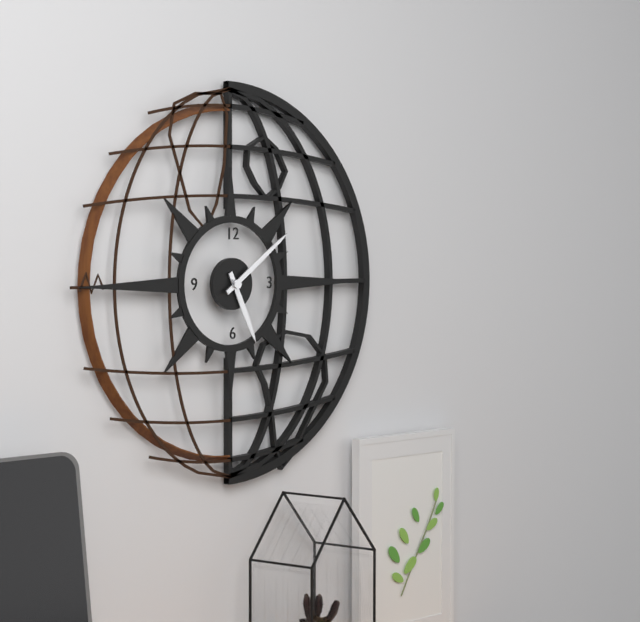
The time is 5,09
